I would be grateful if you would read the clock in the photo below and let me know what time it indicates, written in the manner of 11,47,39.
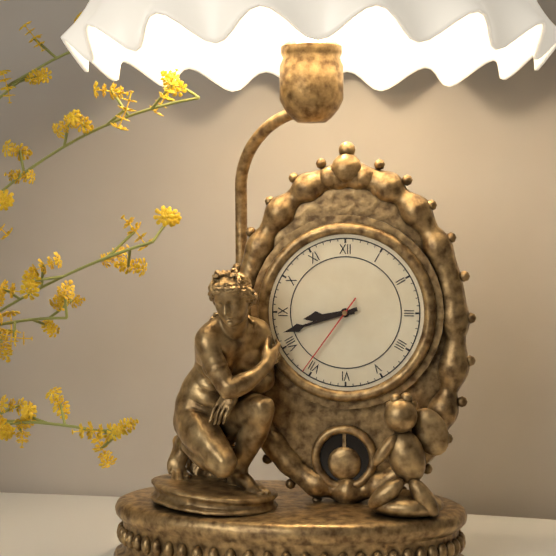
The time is 8,42,36
